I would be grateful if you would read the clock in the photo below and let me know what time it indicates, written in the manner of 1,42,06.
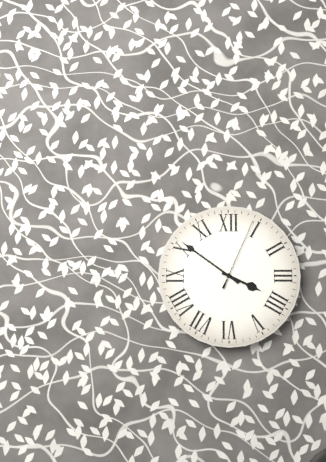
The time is 3,51,04
